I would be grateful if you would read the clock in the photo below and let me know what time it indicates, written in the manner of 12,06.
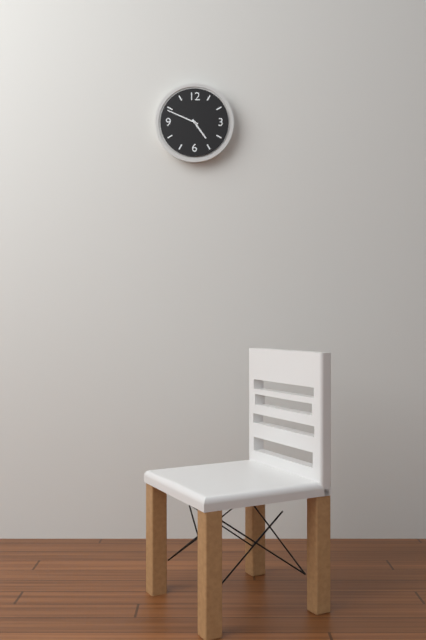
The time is 4,49
